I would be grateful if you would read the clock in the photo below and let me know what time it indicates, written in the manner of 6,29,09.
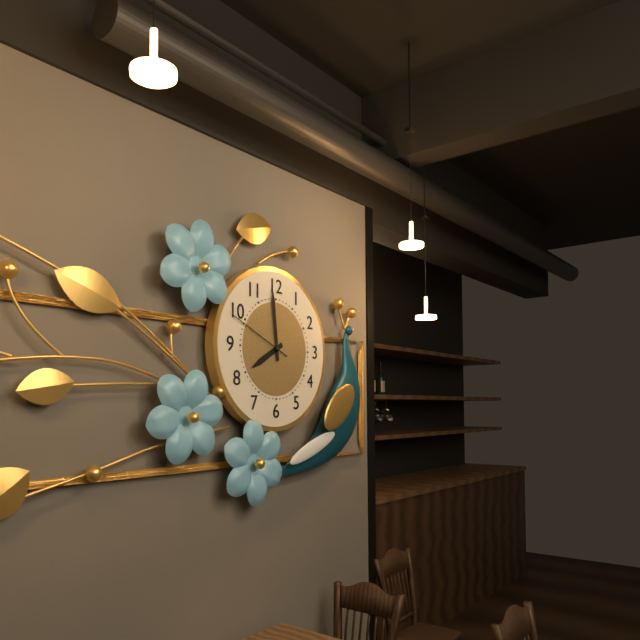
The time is 7,59,49
